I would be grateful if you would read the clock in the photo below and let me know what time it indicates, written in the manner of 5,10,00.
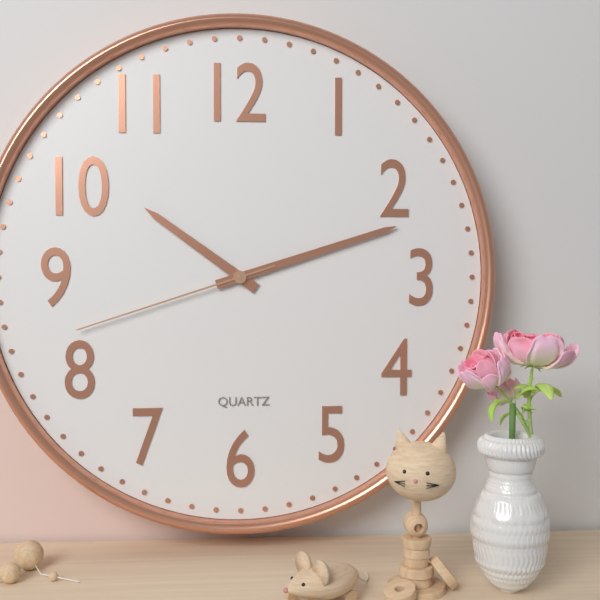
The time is 10,12,42
